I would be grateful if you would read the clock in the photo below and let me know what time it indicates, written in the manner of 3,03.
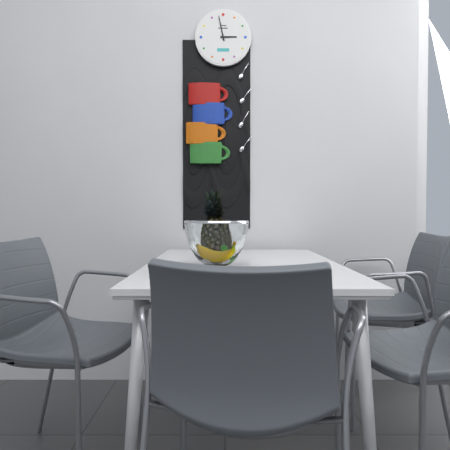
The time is 2,58
